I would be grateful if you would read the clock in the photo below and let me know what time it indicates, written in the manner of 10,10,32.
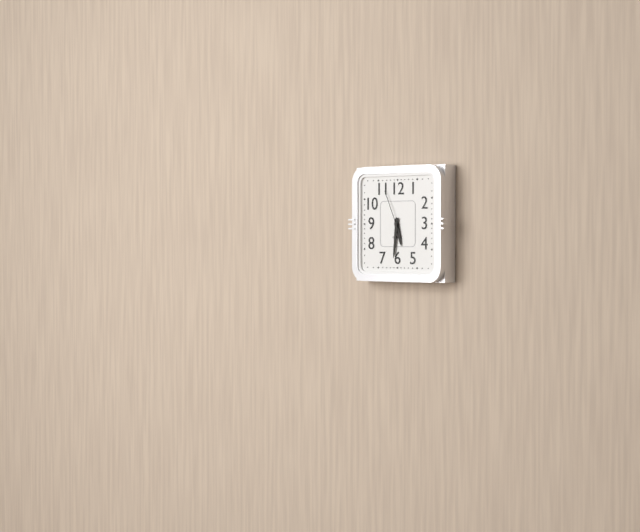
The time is 5,31,56
